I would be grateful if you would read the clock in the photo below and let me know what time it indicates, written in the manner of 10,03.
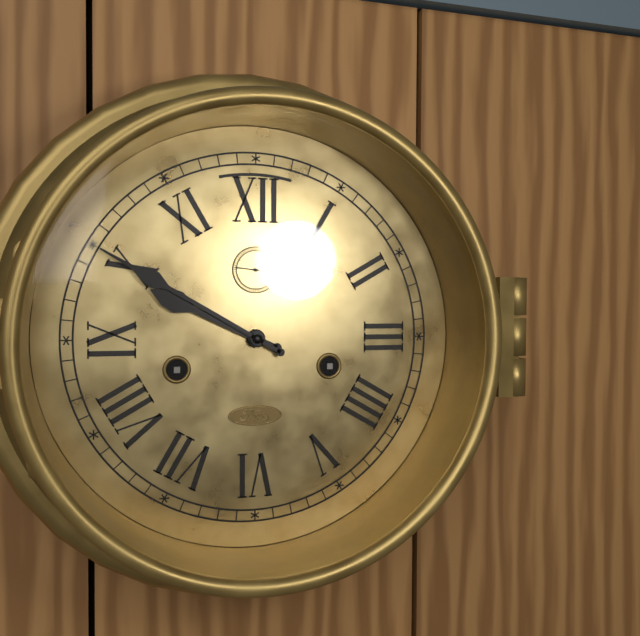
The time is 9,50
